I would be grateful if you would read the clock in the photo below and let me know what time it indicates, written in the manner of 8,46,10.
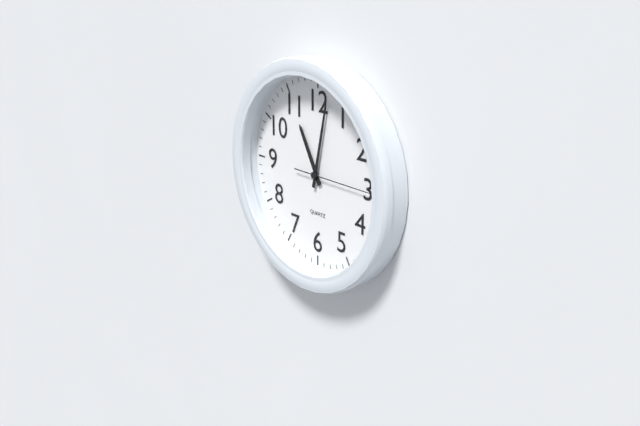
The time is 11,02,15
